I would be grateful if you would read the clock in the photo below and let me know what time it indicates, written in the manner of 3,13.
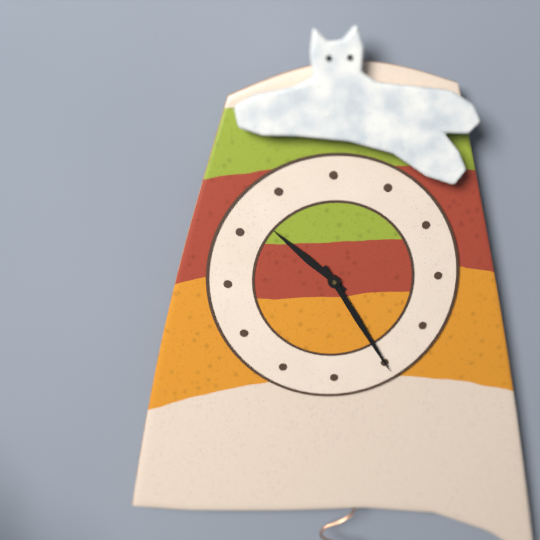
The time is 10,25
